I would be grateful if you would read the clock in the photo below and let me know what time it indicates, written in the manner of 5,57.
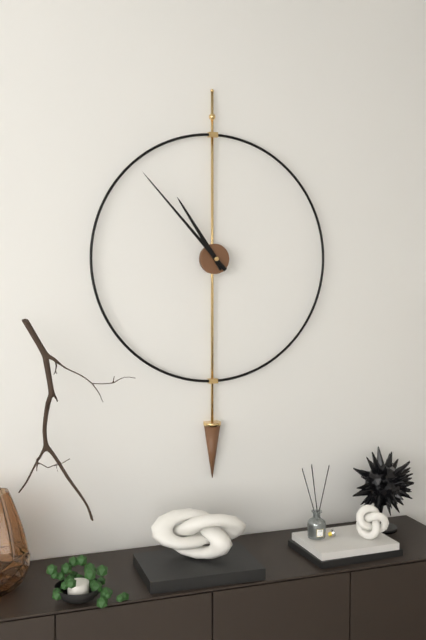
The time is 10,53
